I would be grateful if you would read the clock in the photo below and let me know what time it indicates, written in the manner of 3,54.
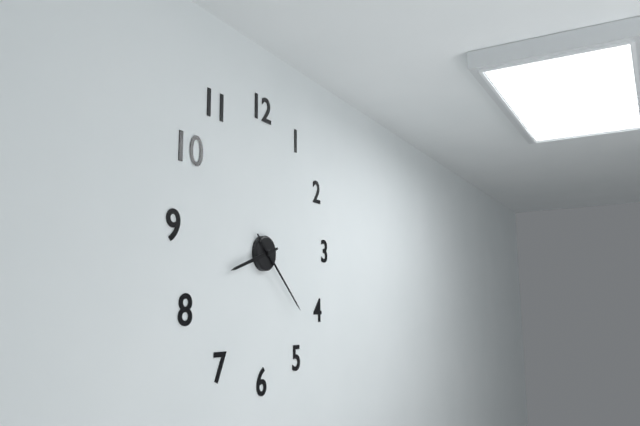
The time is 8,22
